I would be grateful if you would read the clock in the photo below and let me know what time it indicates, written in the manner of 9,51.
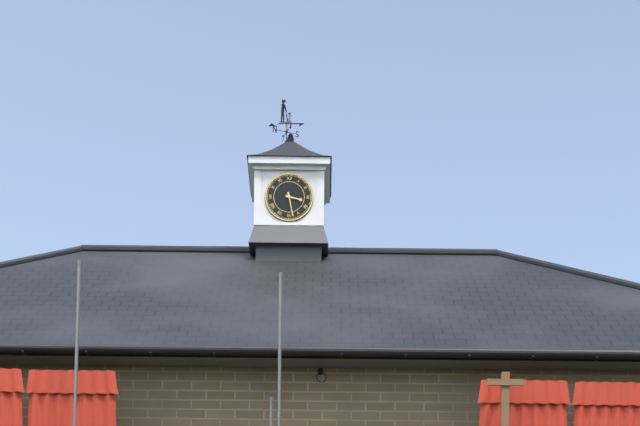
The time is 3,28
